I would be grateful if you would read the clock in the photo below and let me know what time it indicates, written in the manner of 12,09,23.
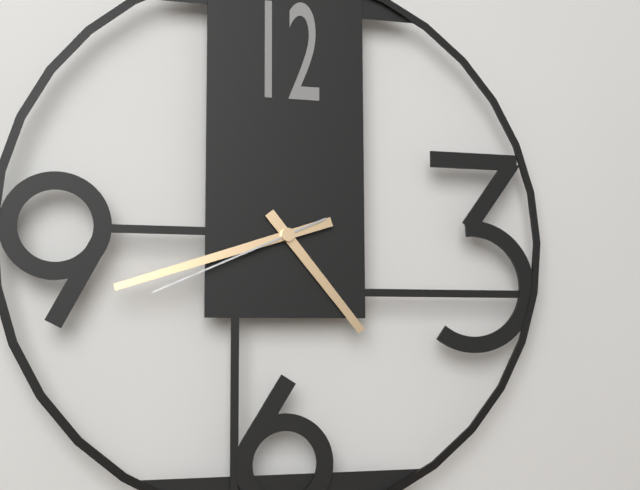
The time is 4,42,41
